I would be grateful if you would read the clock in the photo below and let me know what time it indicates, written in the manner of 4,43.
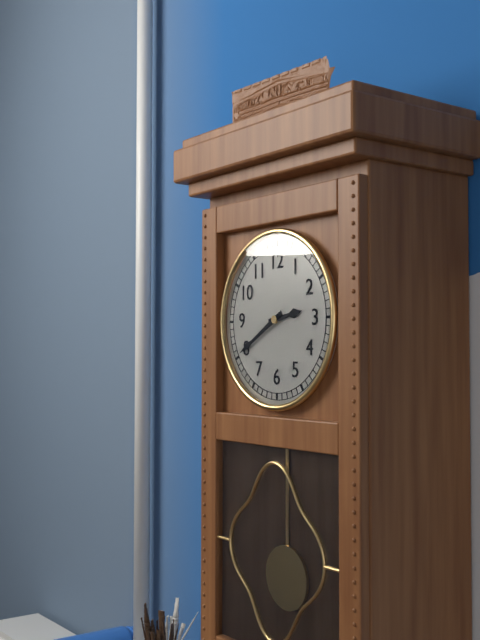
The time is 2,40
